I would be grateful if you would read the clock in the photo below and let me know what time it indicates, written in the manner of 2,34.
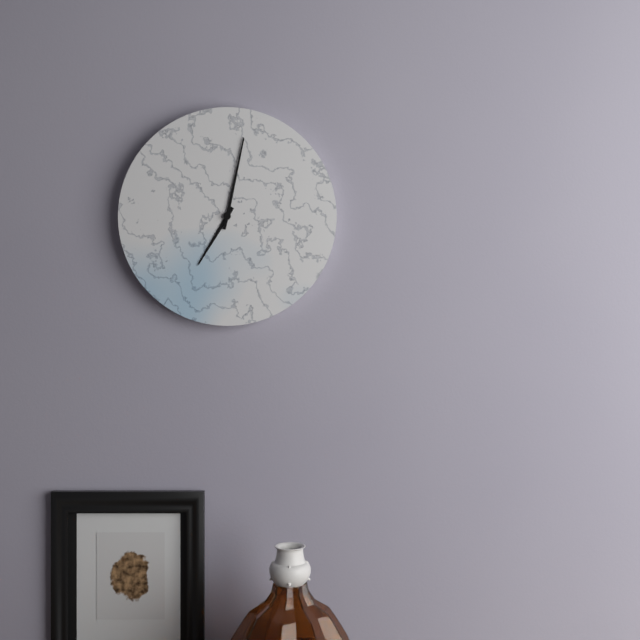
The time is 7,02
